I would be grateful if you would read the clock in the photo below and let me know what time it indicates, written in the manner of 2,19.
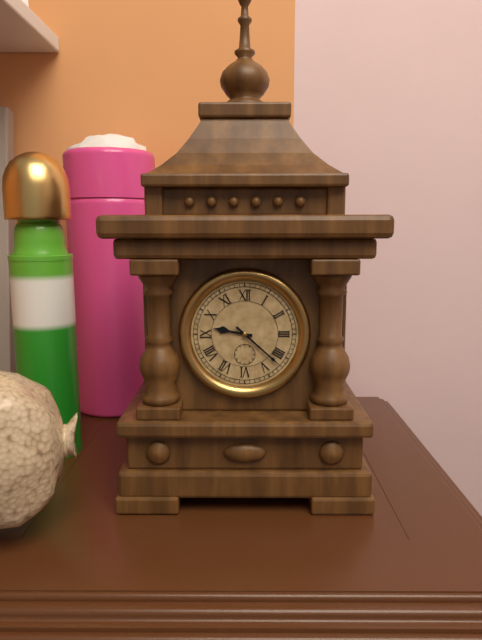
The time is 9,22
